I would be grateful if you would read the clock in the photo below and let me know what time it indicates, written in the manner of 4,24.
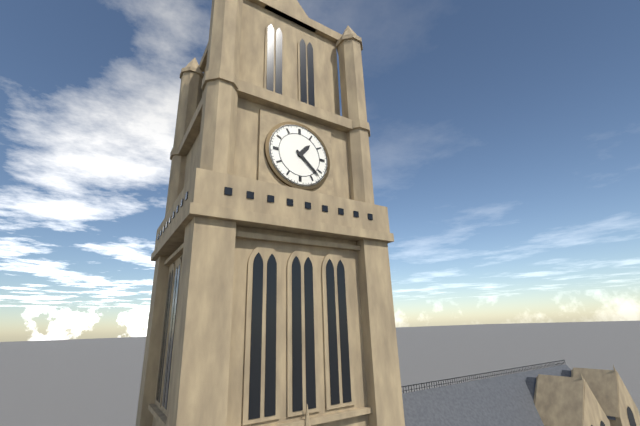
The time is 1,22
